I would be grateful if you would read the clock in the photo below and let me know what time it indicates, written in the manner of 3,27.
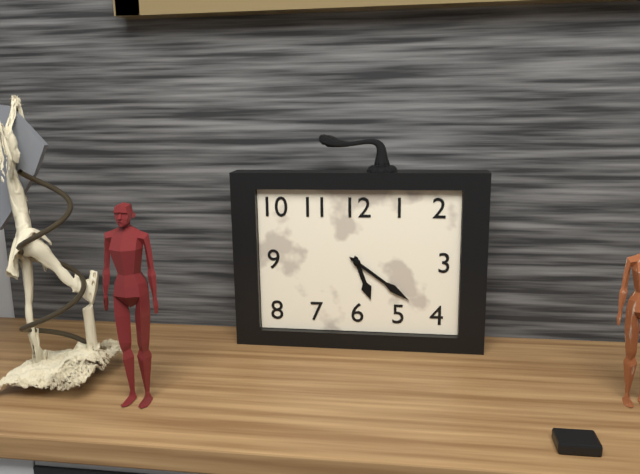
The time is 5,21
